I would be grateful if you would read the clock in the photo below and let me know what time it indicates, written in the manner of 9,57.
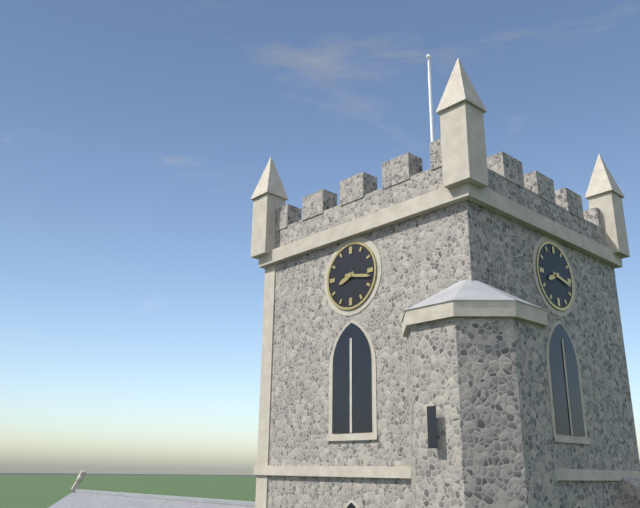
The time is 8,17
